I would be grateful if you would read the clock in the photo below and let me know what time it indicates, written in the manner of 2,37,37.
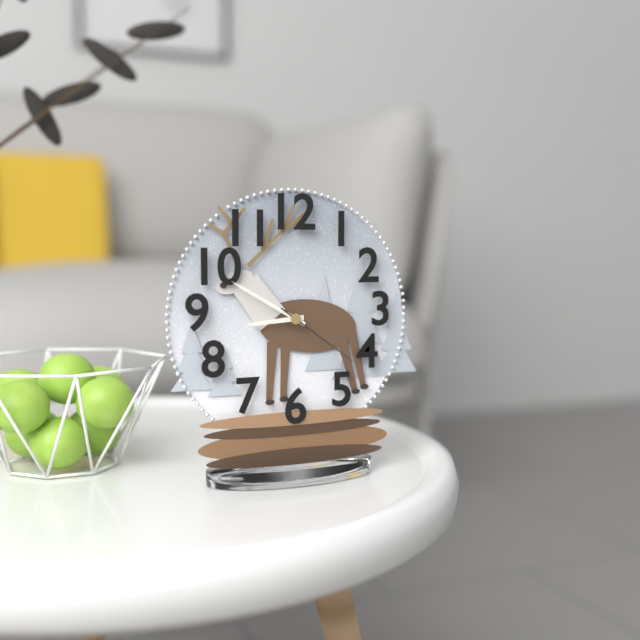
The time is 8,50,21
